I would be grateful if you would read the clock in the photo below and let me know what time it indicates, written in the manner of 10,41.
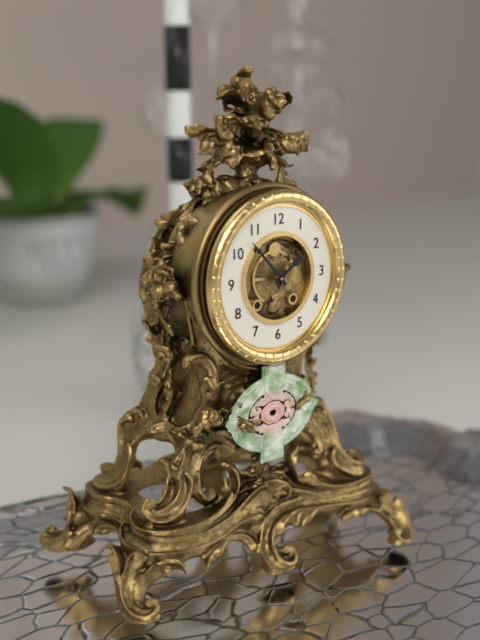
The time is 1,53
